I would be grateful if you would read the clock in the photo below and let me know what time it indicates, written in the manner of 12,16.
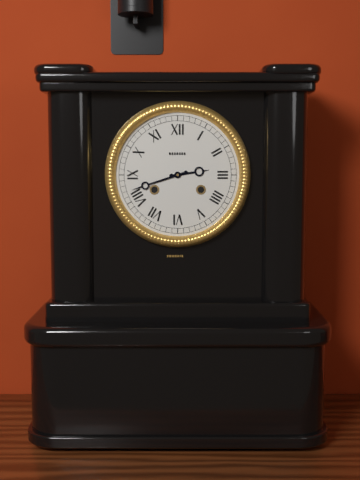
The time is 2,42
